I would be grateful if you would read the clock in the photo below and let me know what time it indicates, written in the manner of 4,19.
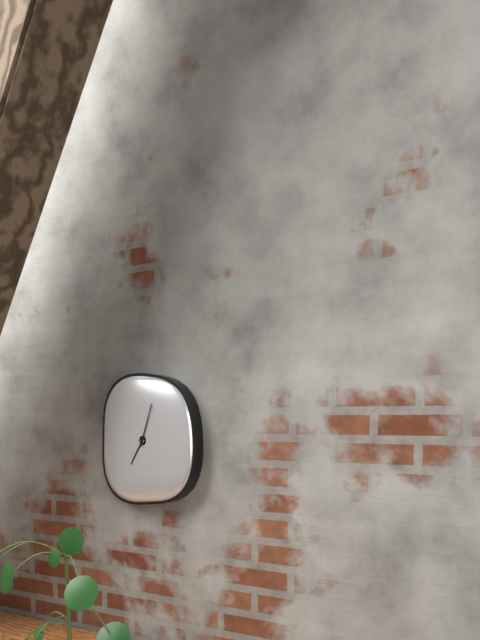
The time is 7,03
